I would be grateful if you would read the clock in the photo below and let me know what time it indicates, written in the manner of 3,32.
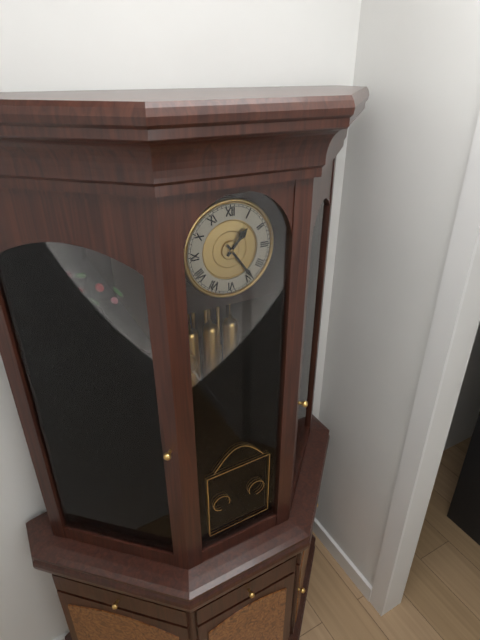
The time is 1,24
